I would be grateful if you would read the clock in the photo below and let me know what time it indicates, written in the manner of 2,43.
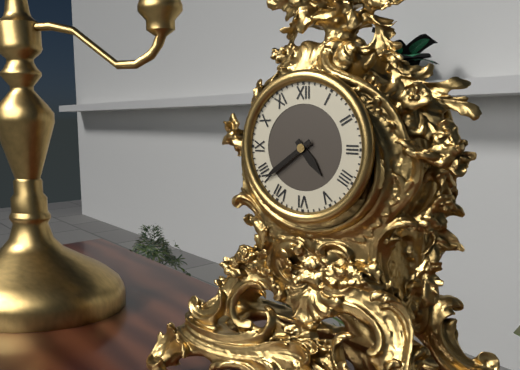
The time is 4,39
